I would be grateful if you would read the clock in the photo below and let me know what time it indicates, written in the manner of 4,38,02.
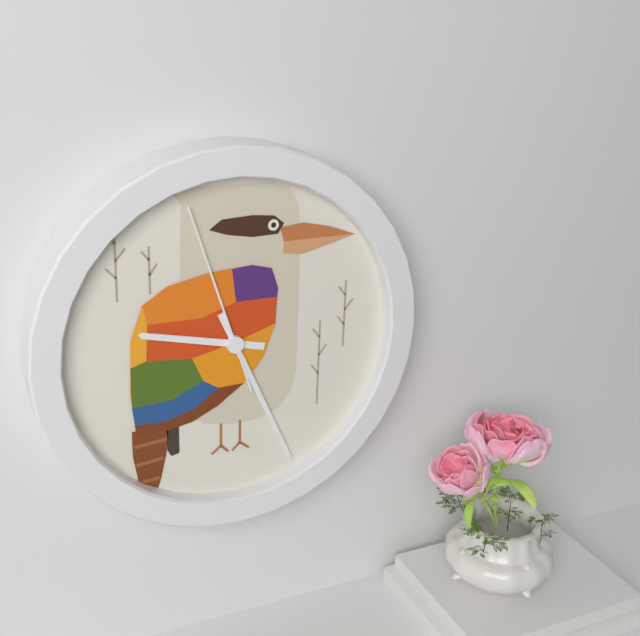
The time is 9,26,57
